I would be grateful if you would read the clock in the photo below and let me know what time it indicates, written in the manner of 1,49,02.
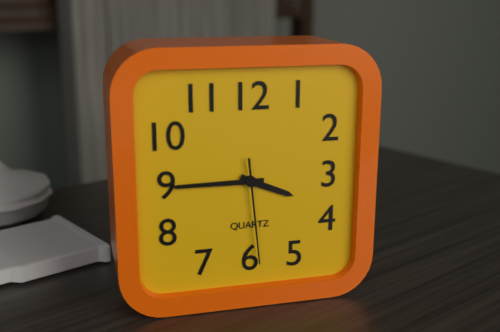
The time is 3,45,29
